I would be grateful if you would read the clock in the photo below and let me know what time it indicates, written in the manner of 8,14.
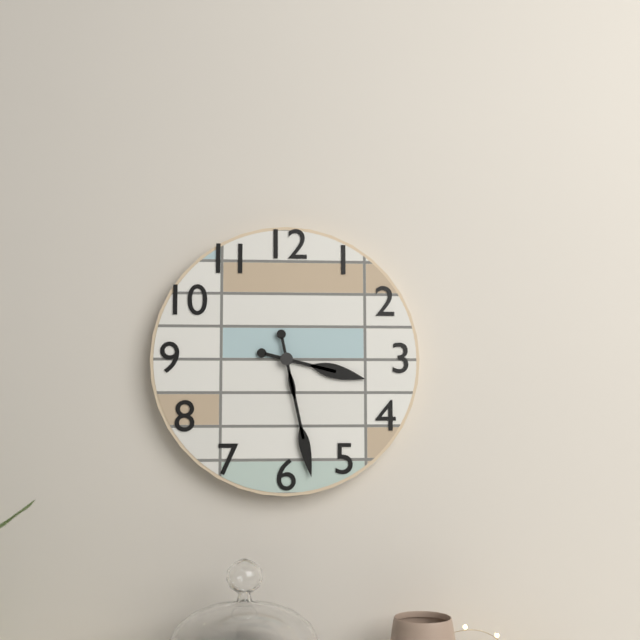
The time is 3,28
